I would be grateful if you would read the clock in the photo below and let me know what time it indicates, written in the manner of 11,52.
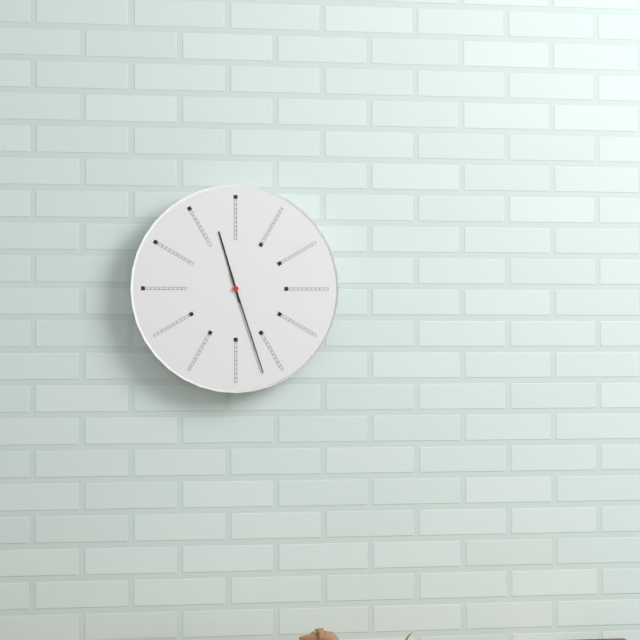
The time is 11,27
